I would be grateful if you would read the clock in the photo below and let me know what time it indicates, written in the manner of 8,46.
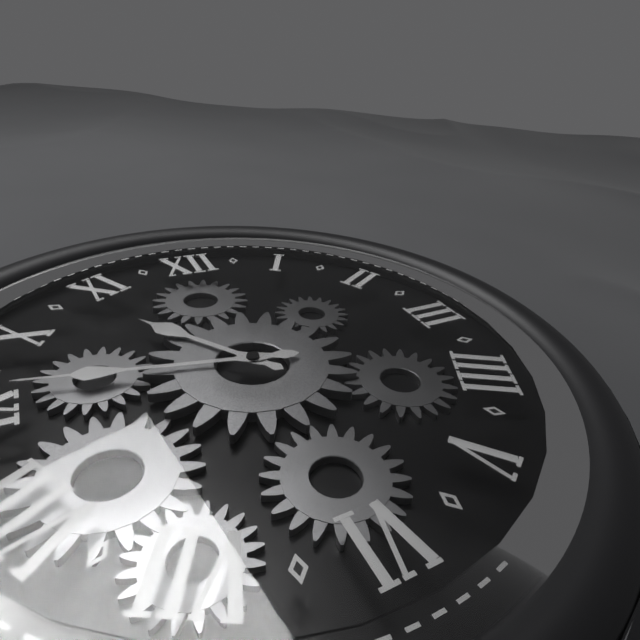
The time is 10,47
